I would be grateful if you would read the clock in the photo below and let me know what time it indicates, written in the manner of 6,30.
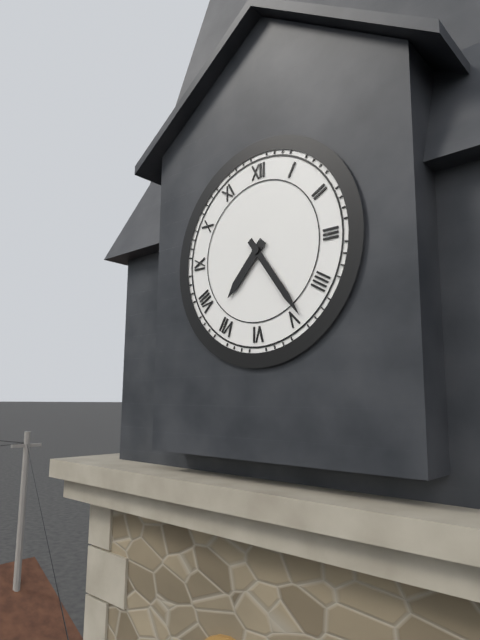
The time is 7,24
